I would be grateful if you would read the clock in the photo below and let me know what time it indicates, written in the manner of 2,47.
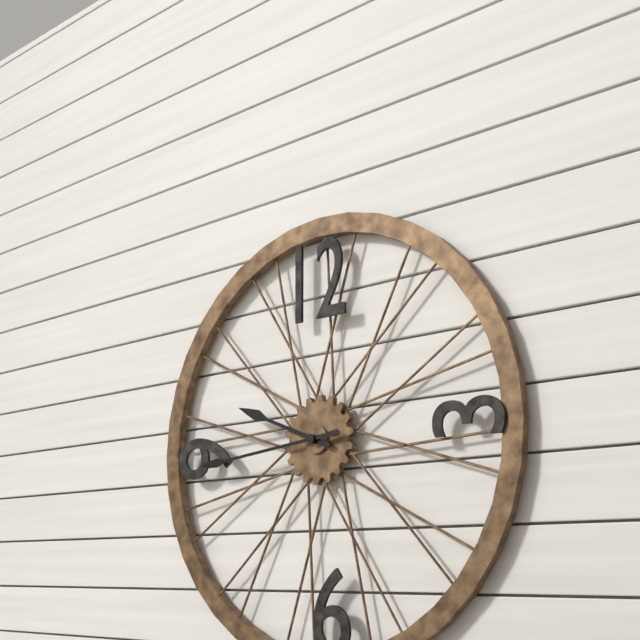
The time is 9,44
